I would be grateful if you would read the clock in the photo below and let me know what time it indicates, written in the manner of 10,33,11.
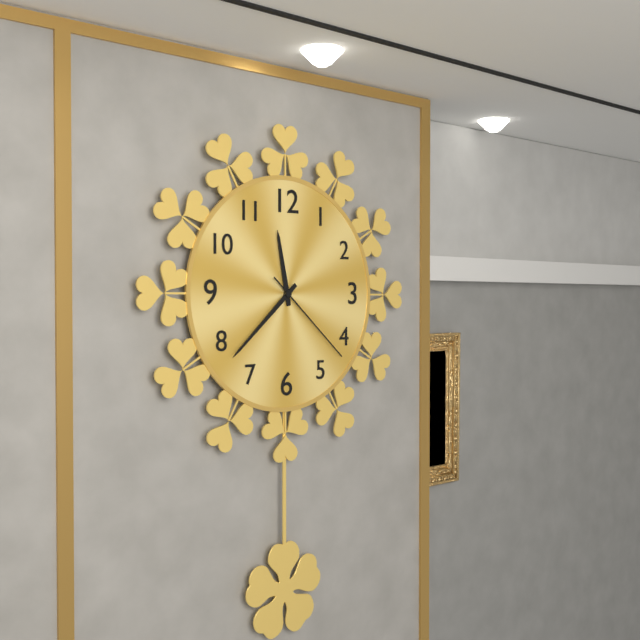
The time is 11,38,22
